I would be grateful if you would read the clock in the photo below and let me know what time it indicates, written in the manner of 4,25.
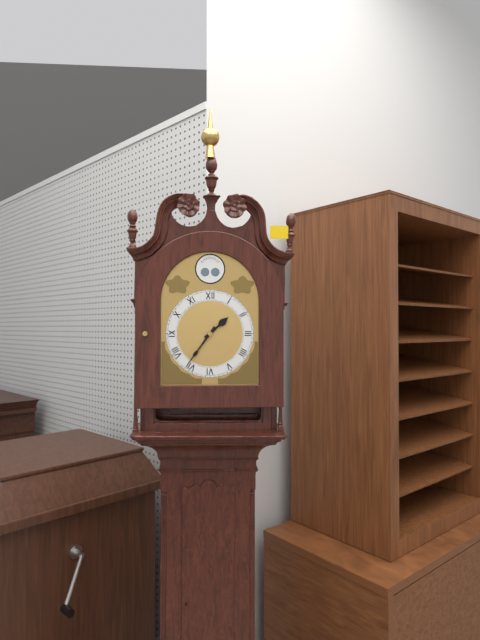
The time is 1,36
